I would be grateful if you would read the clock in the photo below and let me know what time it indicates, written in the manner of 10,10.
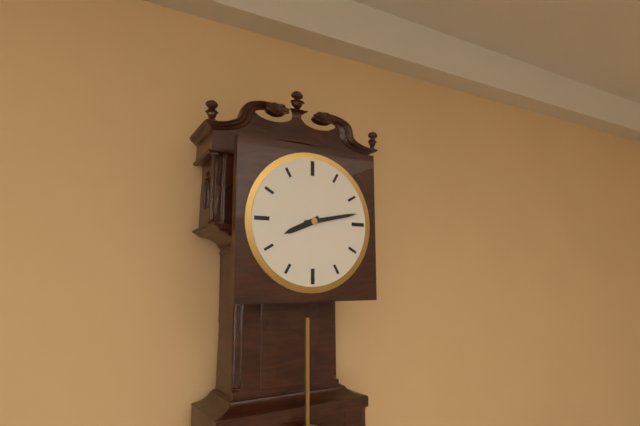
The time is 8,13
